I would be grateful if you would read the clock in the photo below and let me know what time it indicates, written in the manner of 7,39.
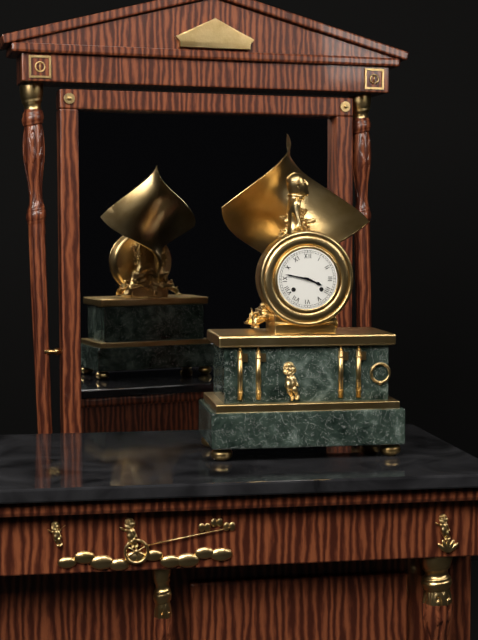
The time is 3,47
